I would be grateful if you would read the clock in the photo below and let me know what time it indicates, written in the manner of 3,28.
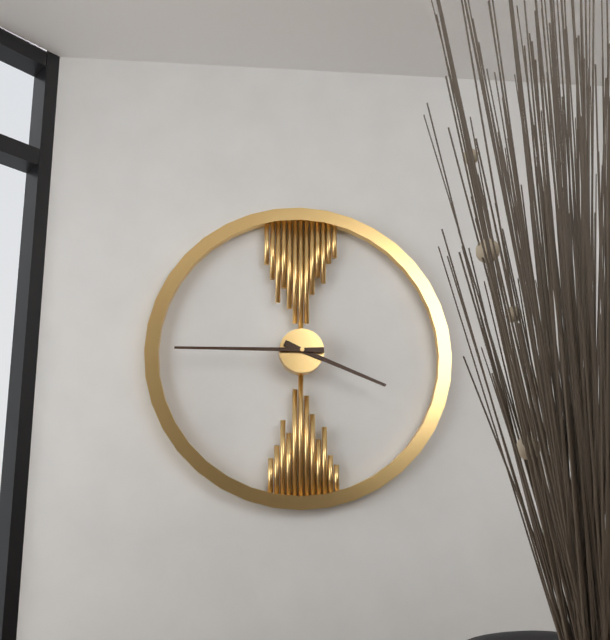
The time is 3,45
